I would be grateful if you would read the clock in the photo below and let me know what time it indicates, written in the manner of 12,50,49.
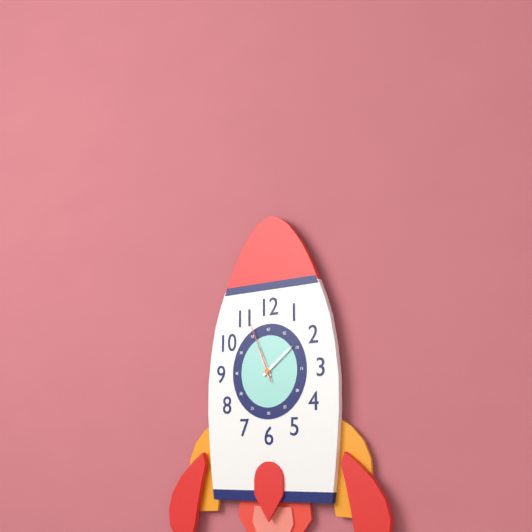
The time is 11,09,56
